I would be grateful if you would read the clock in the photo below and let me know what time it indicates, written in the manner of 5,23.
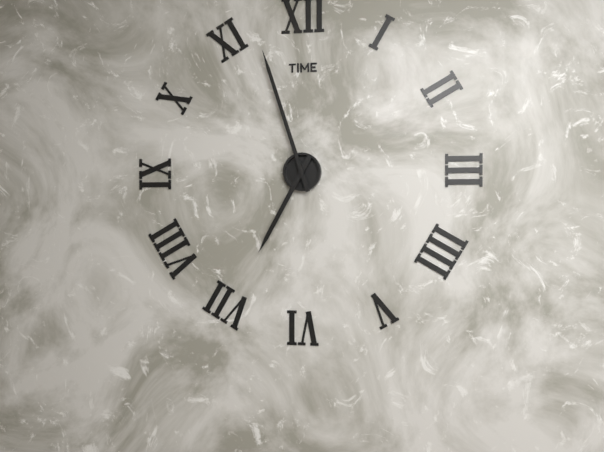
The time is 6,57
